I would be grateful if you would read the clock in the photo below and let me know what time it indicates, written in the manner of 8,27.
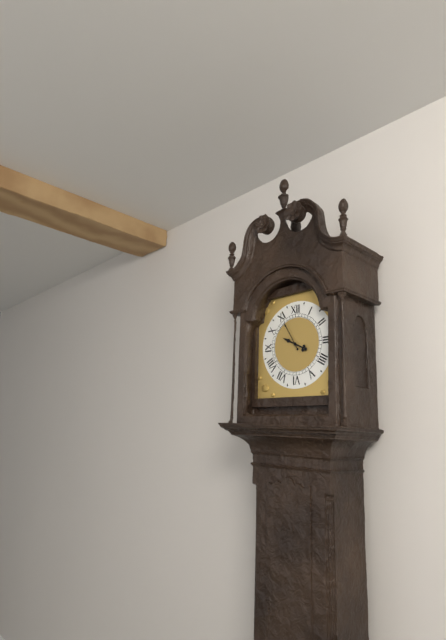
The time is 9,55
